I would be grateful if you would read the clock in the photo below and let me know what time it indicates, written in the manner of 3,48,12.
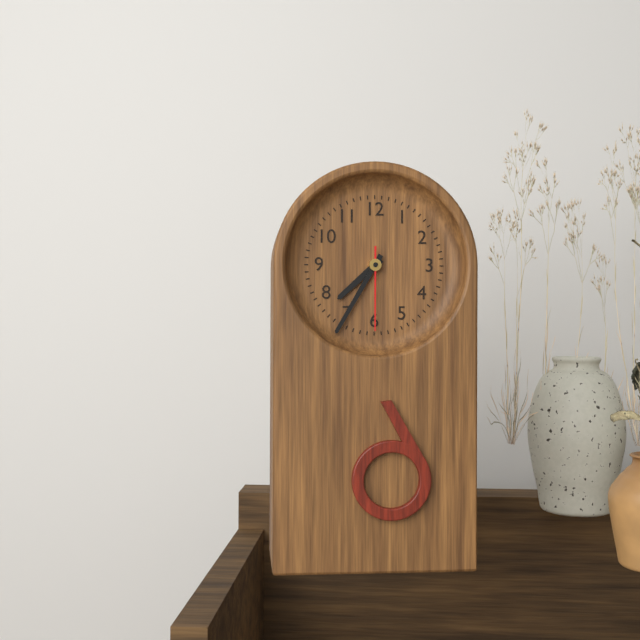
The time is 7,35,30
